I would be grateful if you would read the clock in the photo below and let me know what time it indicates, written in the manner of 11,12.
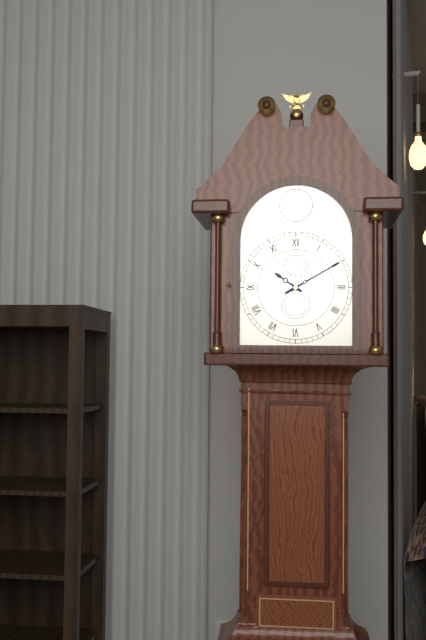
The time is 10,10
